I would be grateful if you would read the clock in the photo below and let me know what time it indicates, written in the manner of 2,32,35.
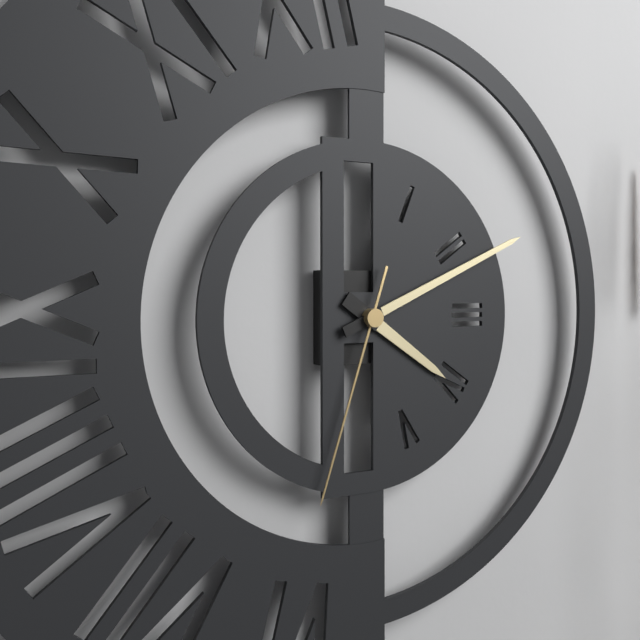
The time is 4,11,33
